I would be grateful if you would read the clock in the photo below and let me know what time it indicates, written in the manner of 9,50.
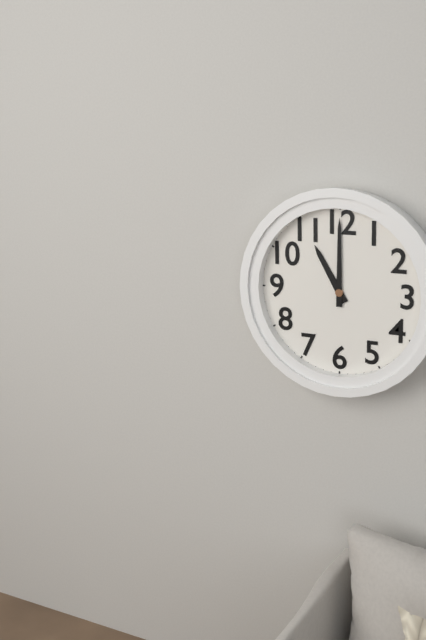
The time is 11,00
